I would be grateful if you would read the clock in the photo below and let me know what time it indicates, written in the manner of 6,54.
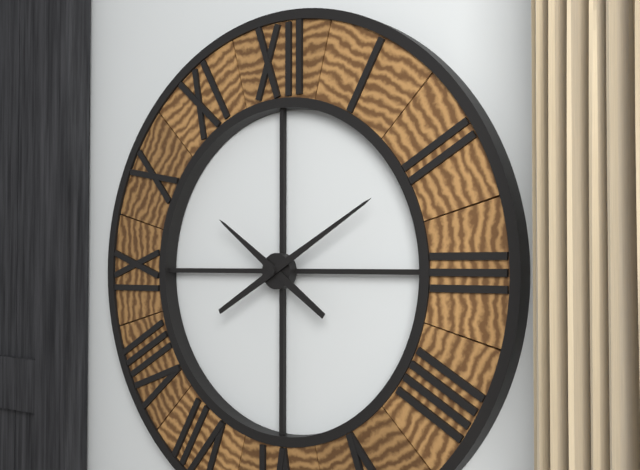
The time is 10,10
